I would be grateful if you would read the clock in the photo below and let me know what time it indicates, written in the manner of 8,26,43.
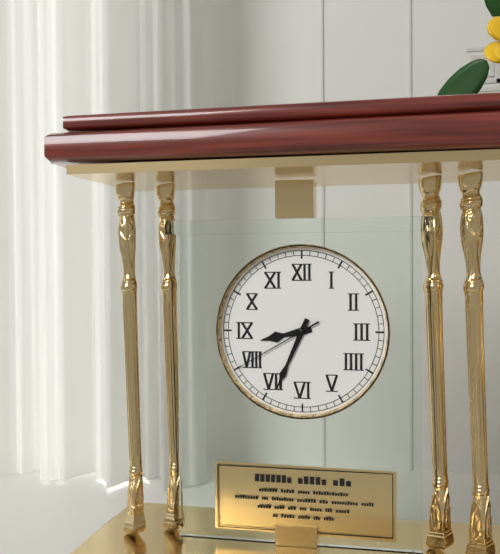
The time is 8,34,40
